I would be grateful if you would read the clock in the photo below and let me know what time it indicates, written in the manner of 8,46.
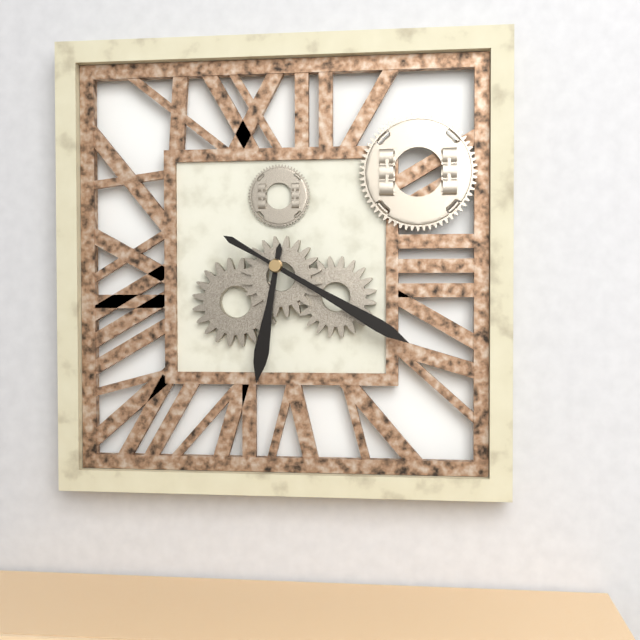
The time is 6,20
